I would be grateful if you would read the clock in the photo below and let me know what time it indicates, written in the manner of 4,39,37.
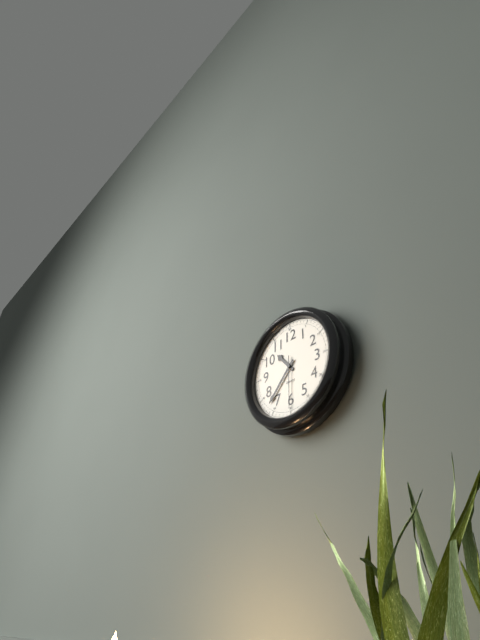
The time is 10,37,30
